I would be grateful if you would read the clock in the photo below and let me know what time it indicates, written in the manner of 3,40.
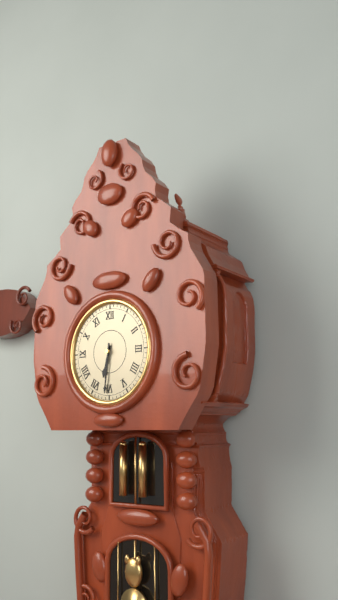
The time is 6,31
